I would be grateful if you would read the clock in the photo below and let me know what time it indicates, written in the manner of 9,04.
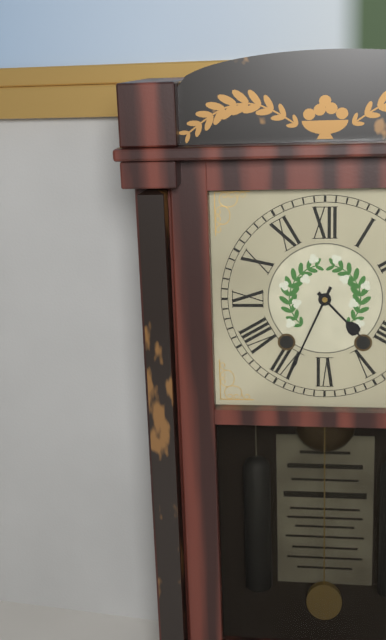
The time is 4,34
